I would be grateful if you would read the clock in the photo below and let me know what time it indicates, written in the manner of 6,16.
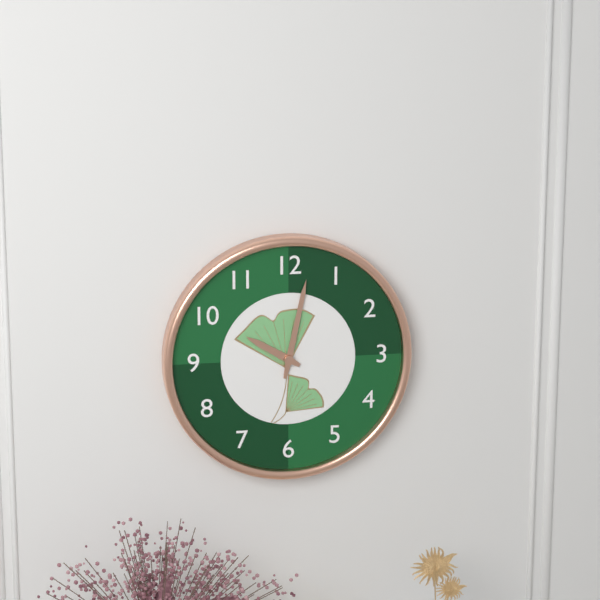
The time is 10,02
